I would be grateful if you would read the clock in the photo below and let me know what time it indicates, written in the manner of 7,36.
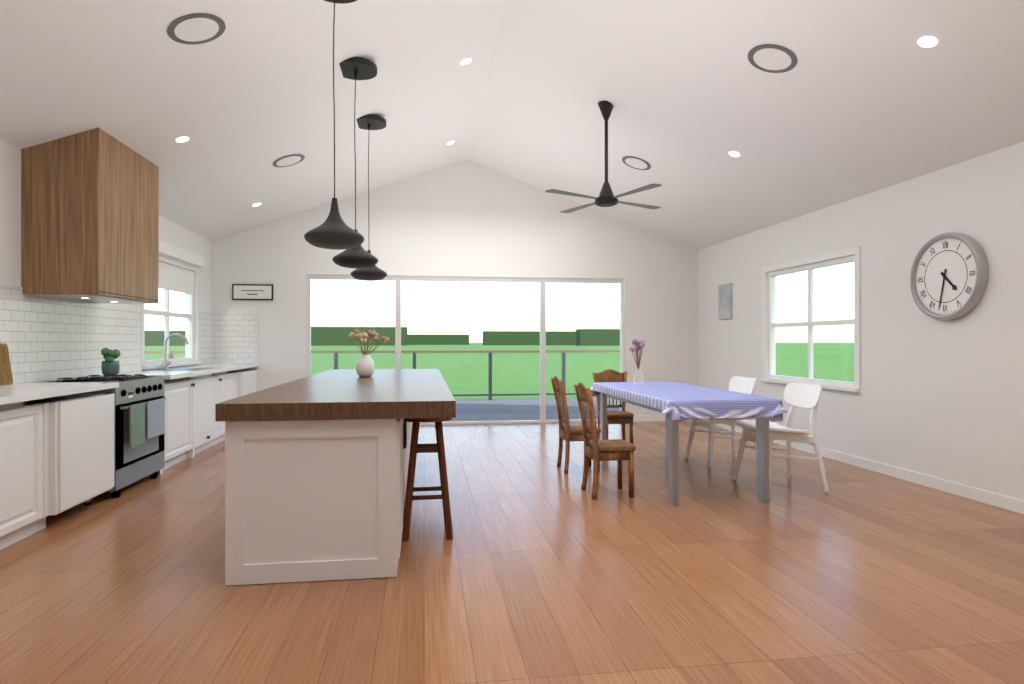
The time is 4,32
